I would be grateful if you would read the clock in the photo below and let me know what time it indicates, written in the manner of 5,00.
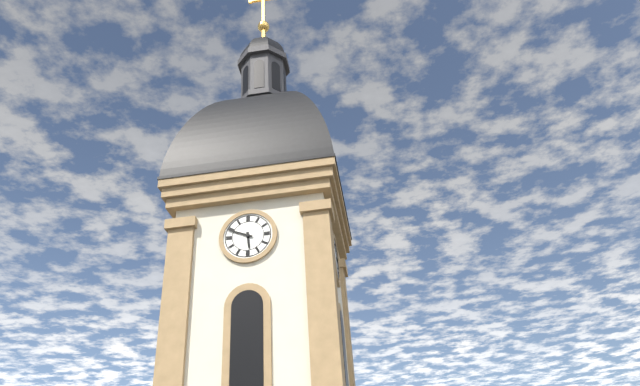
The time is 5,49
